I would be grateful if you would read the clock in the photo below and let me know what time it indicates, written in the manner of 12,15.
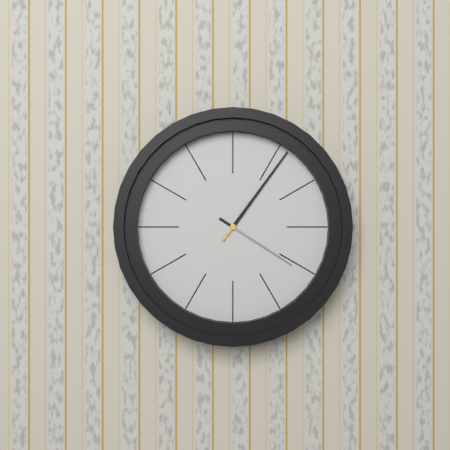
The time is 4,06
